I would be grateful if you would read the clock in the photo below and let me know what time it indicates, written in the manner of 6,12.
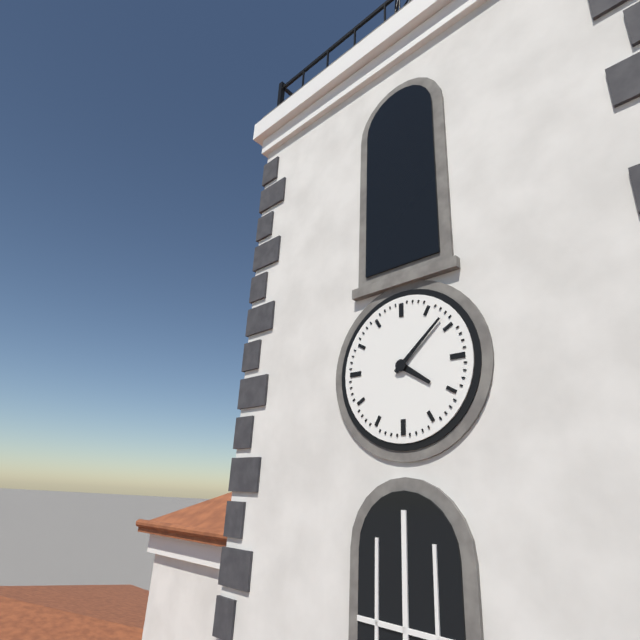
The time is 4,08
